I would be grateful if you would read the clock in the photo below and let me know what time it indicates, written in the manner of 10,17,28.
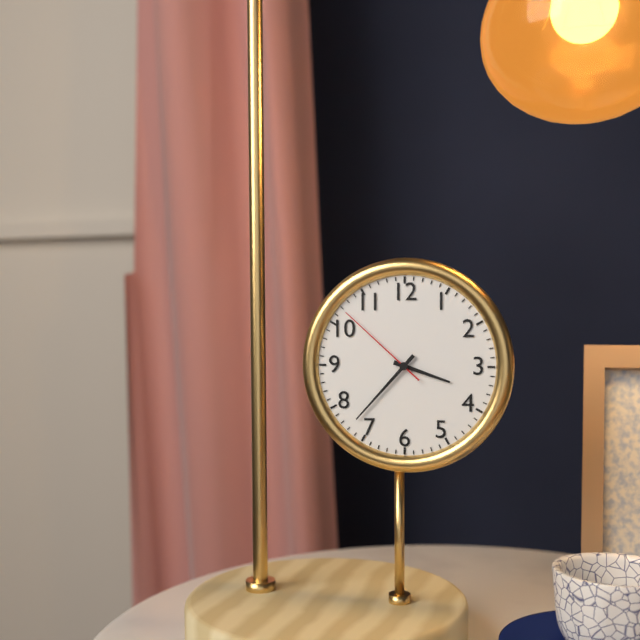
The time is 3,37,52
